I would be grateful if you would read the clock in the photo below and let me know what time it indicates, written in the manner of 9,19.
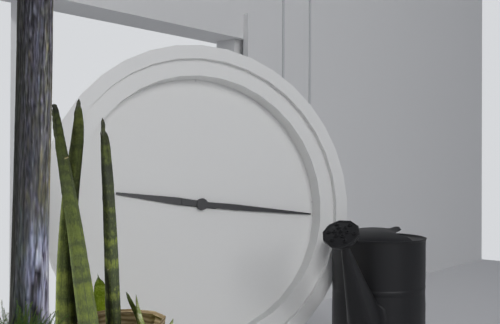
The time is 9,16
